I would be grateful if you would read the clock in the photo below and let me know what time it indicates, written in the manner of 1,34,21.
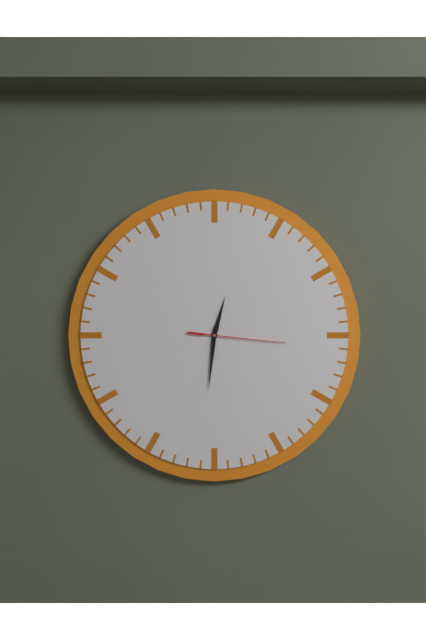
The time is 12,31,16
